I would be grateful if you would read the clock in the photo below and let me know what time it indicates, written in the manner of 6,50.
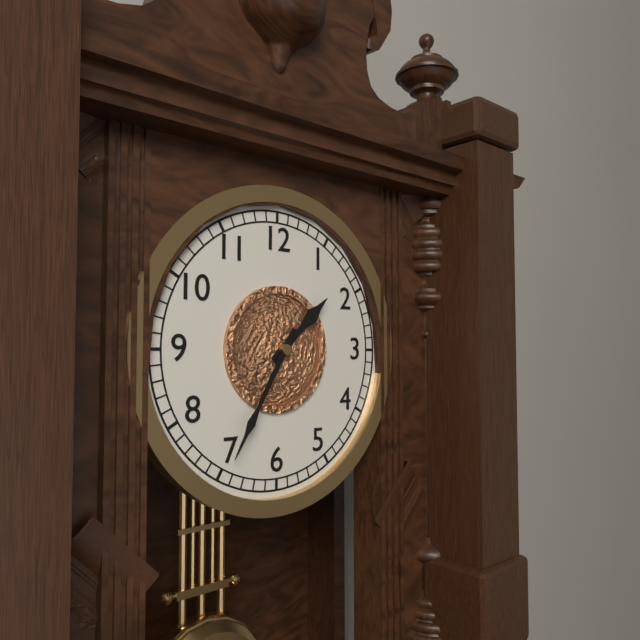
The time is 1,35
